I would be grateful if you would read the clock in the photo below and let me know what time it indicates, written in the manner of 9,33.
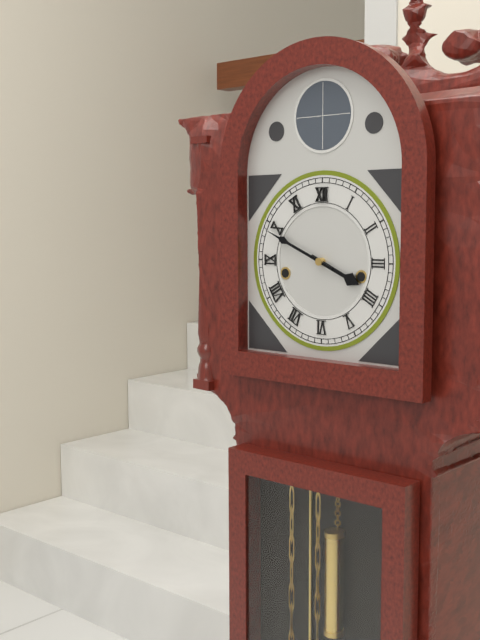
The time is 3,49
